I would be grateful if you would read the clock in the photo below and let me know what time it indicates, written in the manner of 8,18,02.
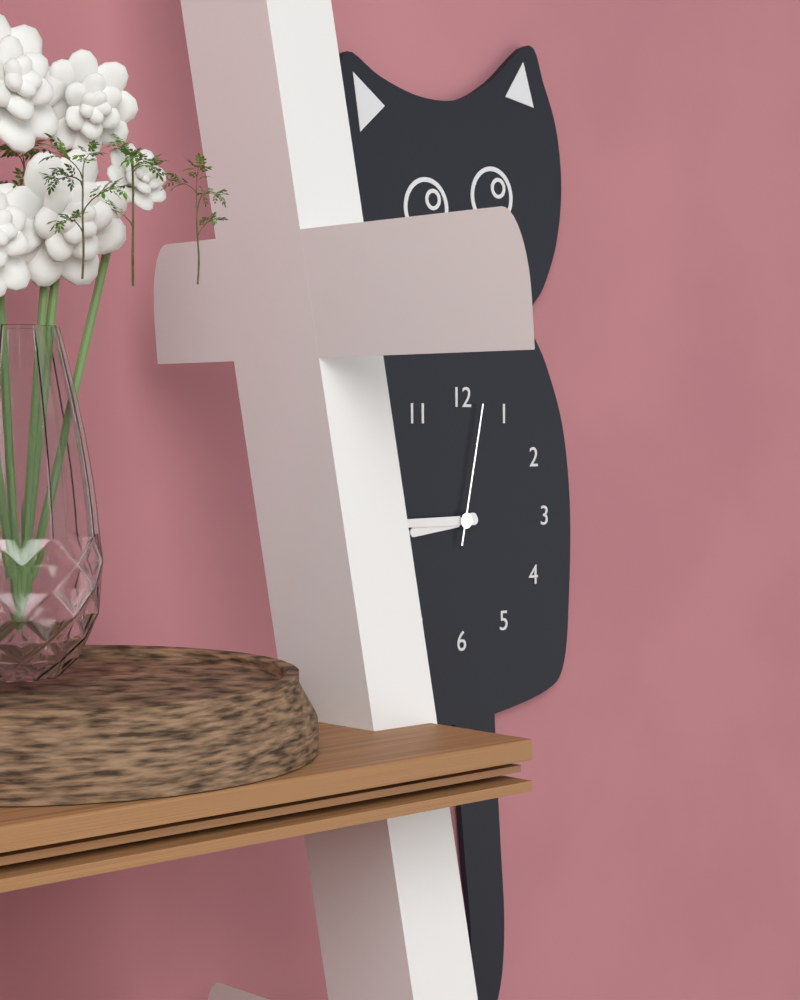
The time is 8,45,02
